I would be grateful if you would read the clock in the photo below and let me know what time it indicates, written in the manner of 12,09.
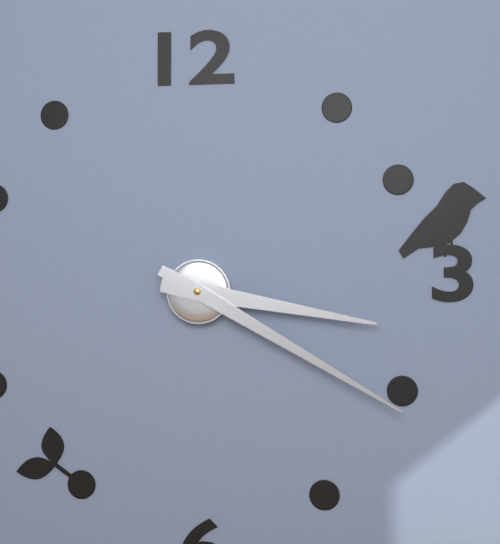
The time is 3,20
